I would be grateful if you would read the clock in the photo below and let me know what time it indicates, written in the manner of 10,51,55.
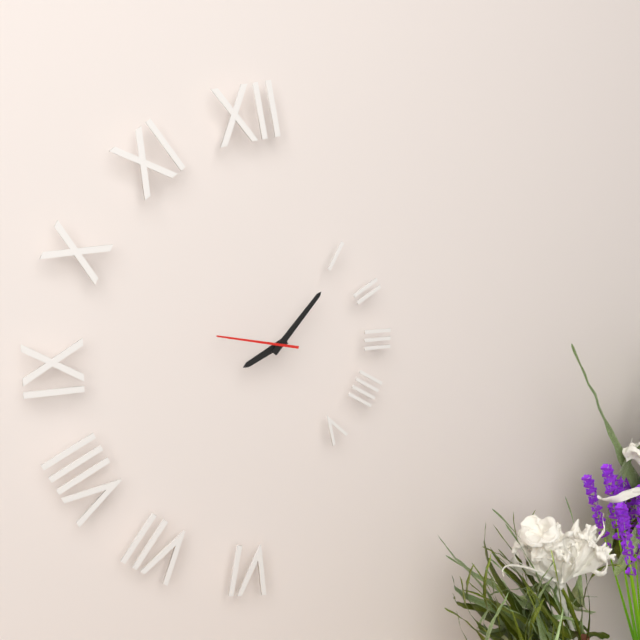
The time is 8,07,47
